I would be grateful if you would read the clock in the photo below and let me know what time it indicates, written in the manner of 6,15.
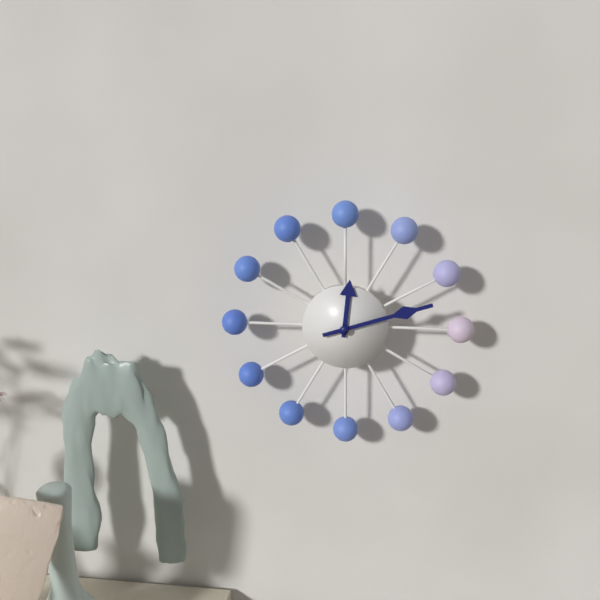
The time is 12,12
